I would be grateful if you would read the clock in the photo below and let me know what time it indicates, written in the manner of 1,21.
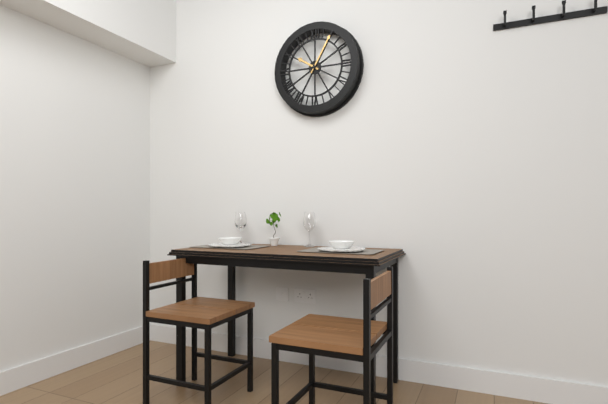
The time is 10,05
